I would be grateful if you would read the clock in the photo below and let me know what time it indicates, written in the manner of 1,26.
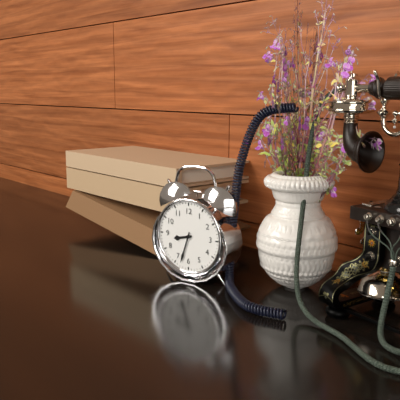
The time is 8,33
